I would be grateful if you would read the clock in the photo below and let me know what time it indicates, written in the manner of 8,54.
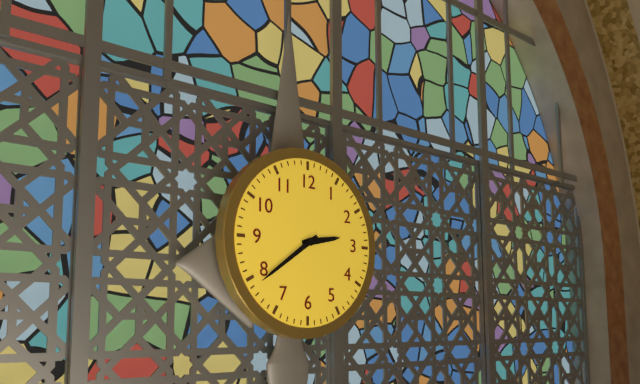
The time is 2,39
